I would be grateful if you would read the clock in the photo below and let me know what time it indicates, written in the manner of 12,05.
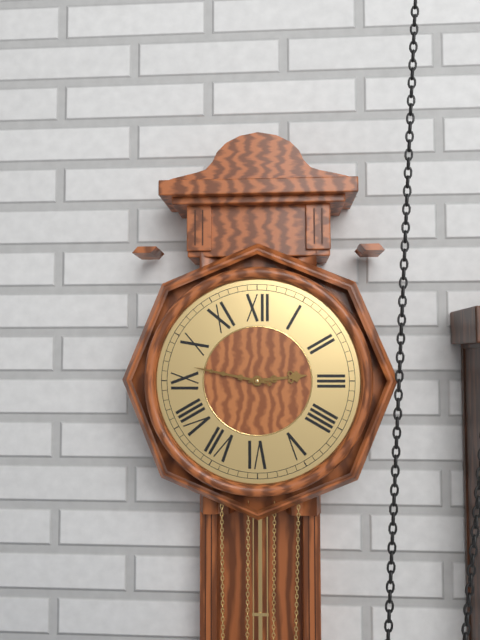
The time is 2,47
